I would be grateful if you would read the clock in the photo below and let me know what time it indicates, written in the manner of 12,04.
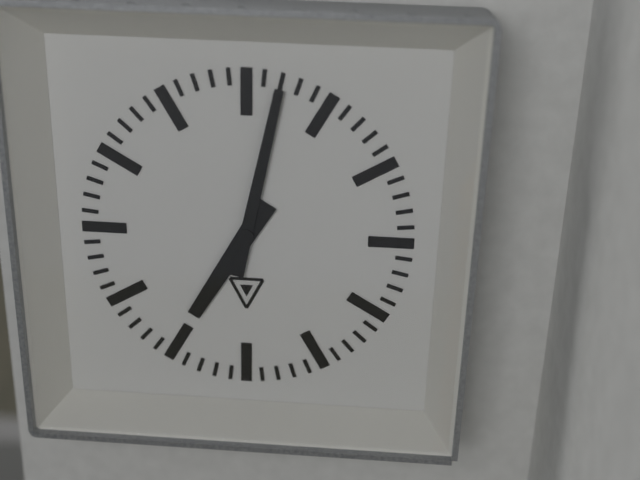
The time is 7,02
